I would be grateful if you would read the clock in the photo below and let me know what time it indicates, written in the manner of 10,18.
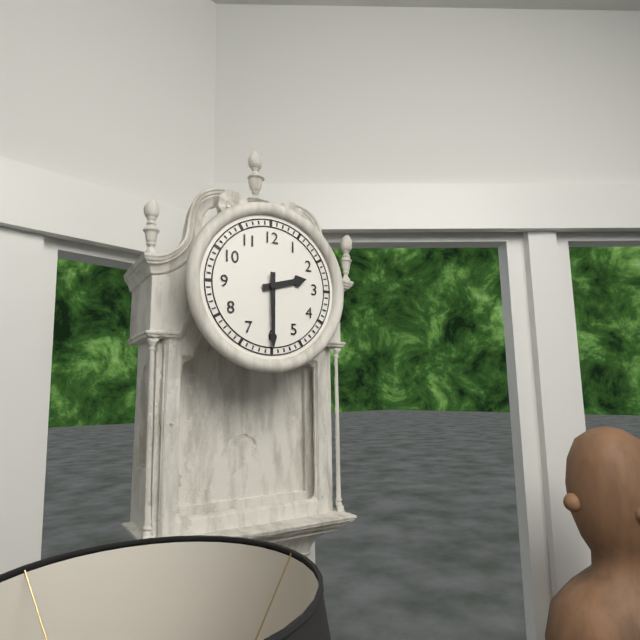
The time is 2,30
